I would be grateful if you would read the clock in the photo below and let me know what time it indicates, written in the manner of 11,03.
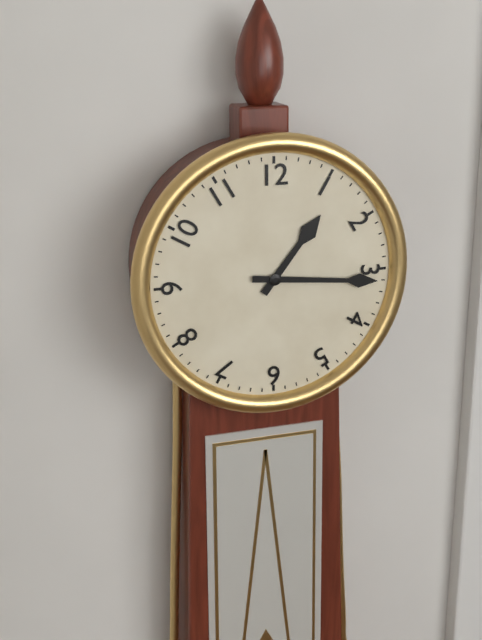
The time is 1,16
